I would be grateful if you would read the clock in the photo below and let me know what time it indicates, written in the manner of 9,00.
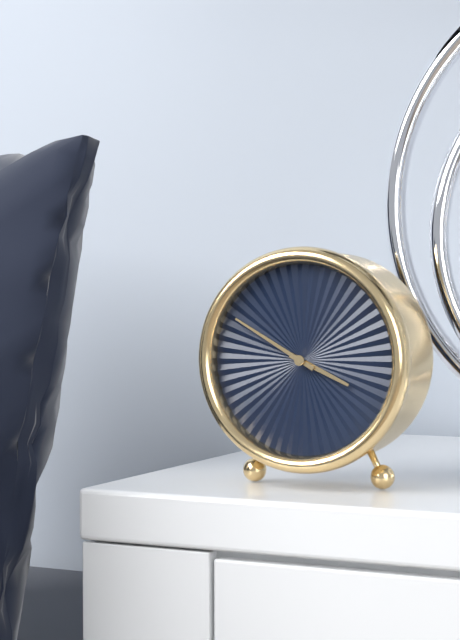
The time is 3,50
